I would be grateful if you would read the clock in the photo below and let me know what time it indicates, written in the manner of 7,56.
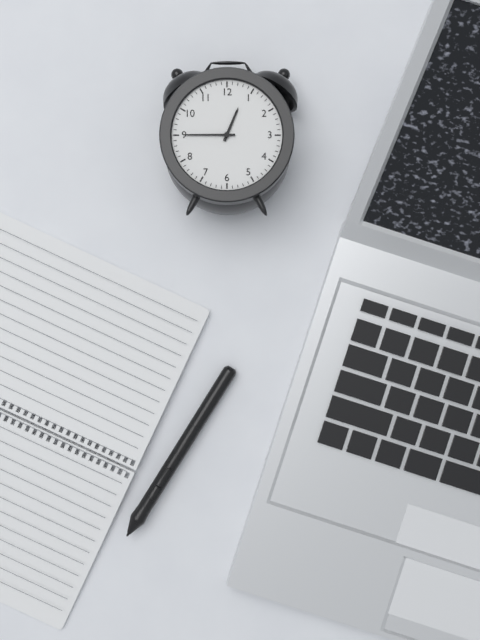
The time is 12,45
